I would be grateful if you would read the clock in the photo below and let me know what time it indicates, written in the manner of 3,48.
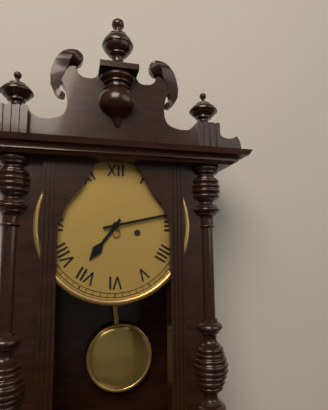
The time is 7,13
